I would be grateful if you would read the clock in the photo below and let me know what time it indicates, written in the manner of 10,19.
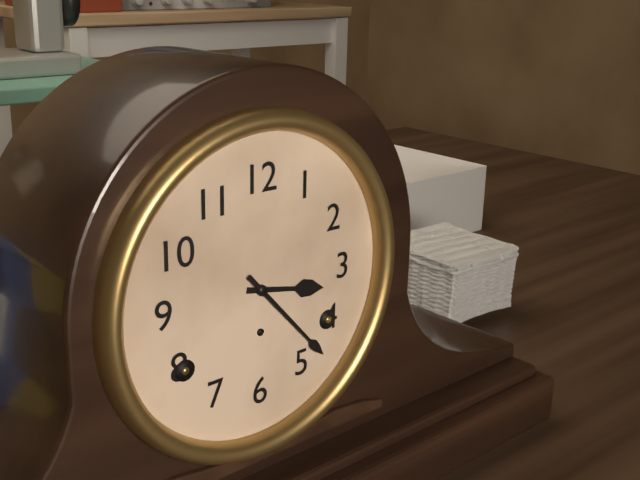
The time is 3,23
